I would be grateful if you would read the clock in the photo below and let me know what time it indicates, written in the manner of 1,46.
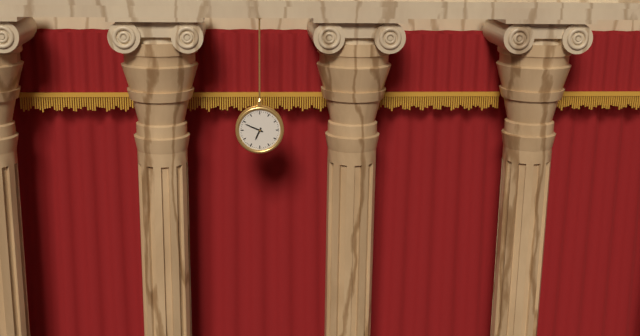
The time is 6,49
